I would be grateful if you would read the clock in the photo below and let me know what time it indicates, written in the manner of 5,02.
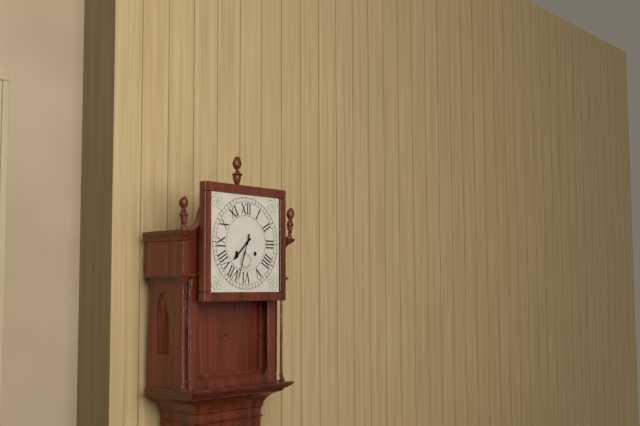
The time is 7,33
